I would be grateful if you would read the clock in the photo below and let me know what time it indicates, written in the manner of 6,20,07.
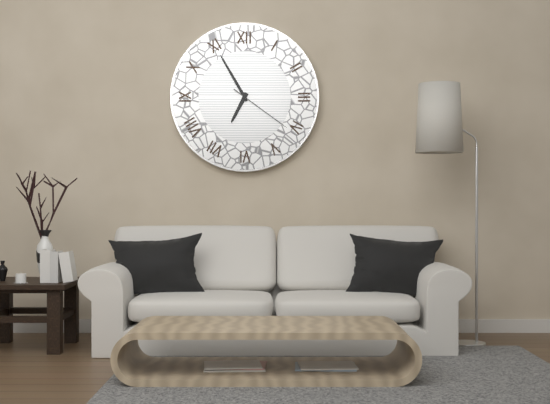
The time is 6,55,21
